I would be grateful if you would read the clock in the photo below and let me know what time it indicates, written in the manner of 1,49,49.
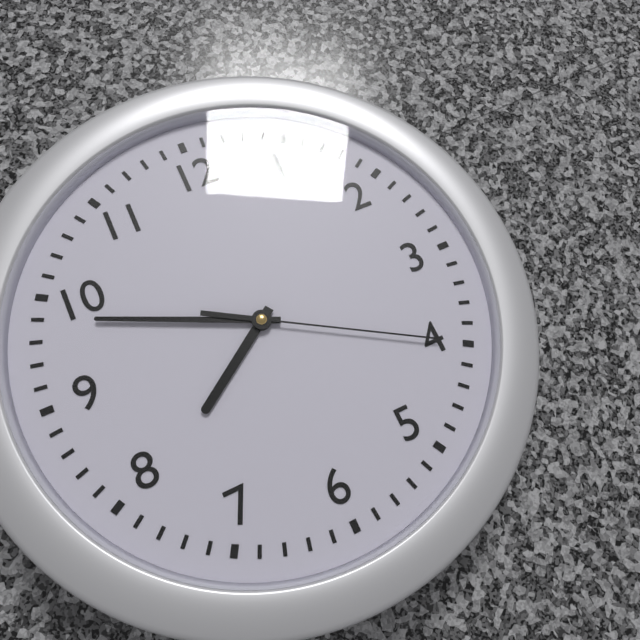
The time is 7,49,20
